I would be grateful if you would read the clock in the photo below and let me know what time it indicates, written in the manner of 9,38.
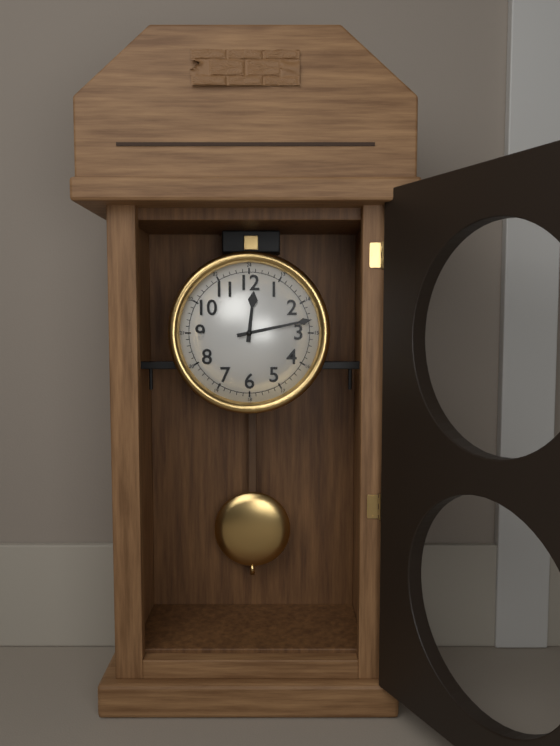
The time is 12,13
